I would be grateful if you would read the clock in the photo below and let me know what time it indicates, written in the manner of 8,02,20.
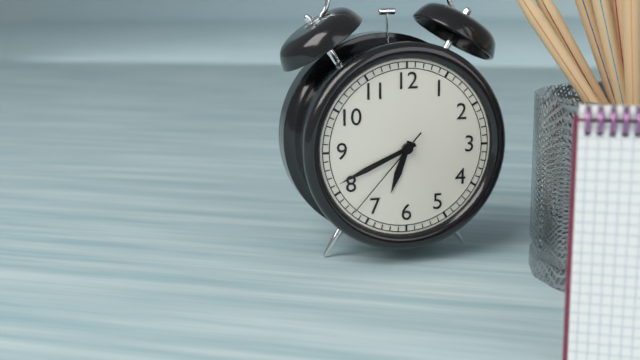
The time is 6,41,37
